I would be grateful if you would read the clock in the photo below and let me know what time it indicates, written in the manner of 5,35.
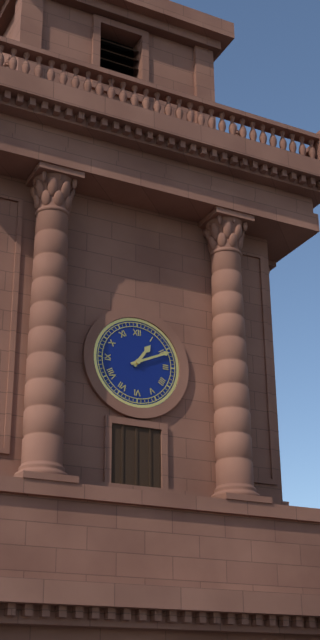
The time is 1,11
